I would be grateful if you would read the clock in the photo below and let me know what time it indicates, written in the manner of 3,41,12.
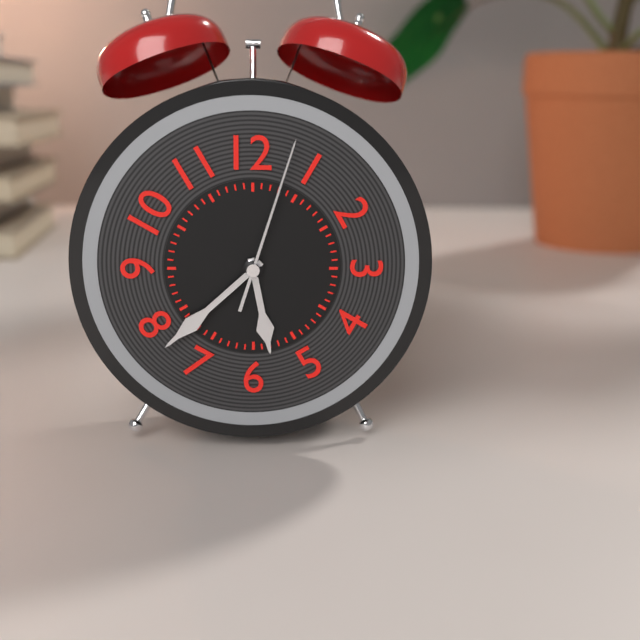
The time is 5,38,03
